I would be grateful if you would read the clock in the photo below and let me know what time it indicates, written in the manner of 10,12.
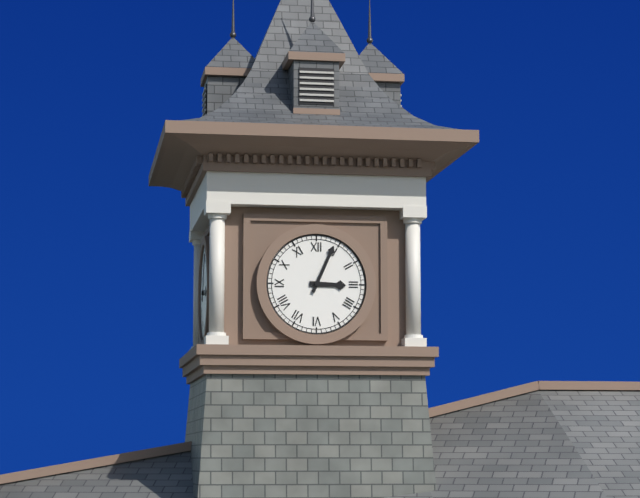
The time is 3,04
